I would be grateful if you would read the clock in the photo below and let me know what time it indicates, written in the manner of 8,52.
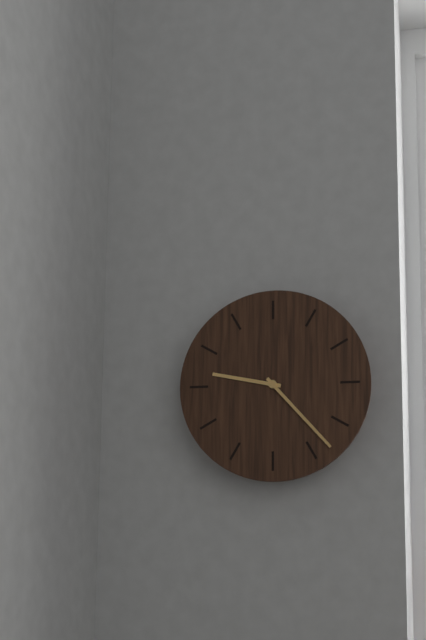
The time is 9,23
